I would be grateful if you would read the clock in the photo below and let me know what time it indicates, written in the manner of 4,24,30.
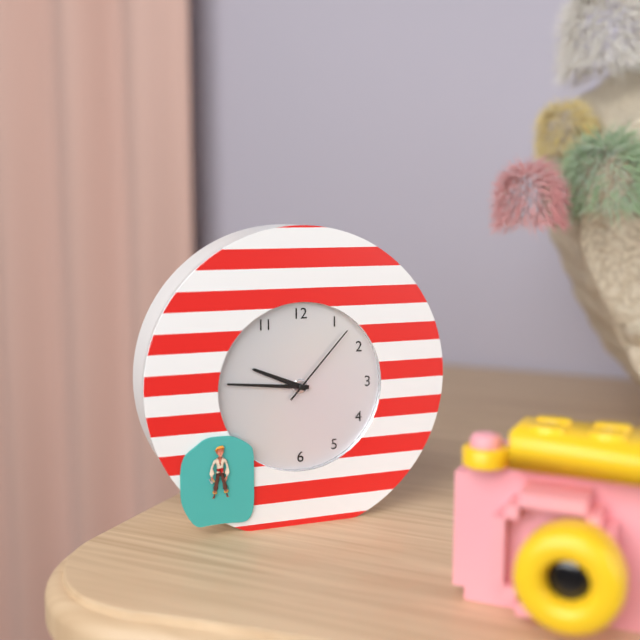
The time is 9,46,07
